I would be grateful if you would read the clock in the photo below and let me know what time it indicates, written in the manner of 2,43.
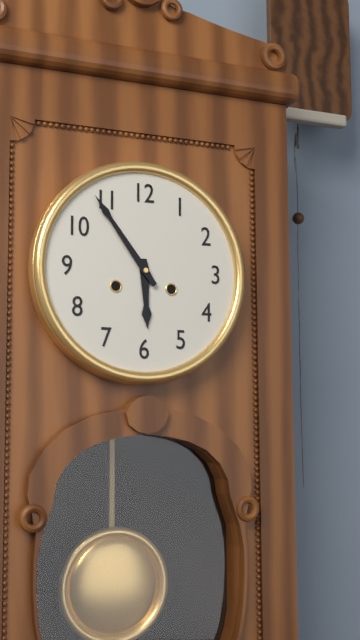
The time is 5,54
